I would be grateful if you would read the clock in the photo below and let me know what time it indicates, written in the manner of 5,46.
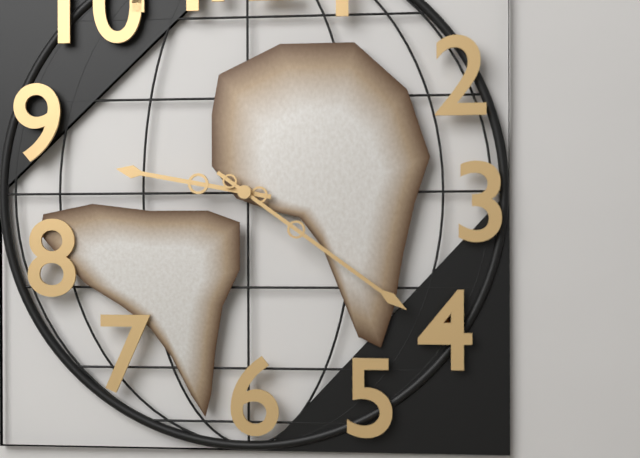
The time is 9,21
